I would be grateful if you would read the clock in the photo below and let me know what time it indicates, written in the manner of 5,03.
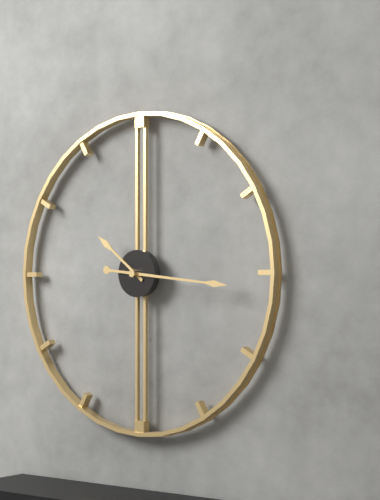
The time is 10,16
